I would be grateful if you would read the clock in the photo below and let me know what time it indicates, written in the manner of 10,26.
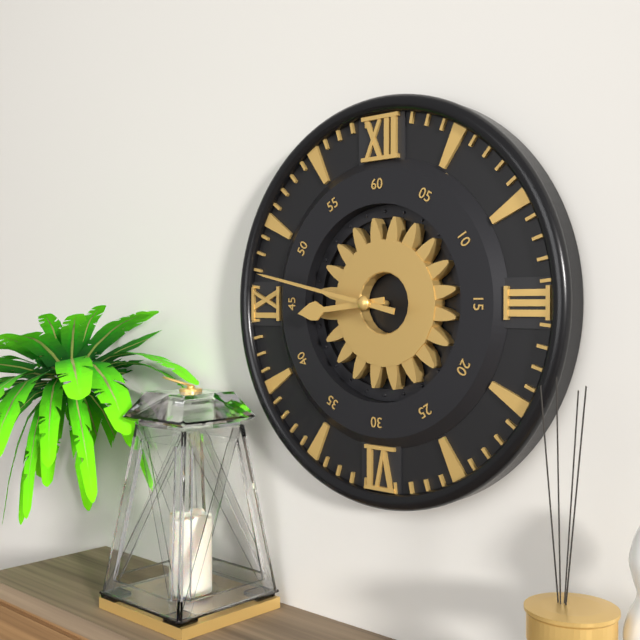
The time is 8,47
